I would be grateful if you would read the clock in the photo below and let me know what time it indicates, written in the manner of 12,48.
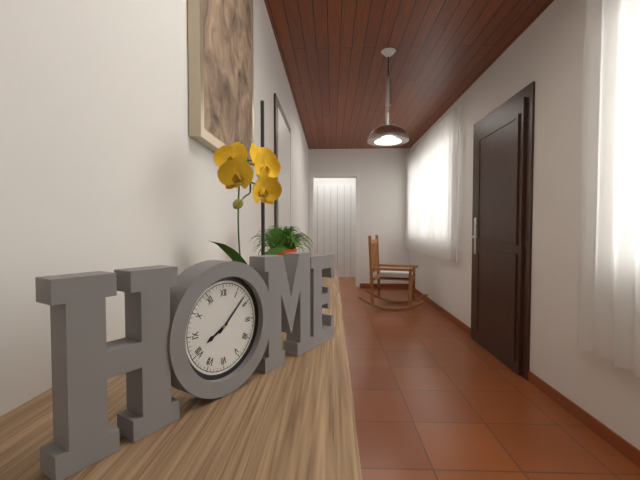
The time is 8,08
